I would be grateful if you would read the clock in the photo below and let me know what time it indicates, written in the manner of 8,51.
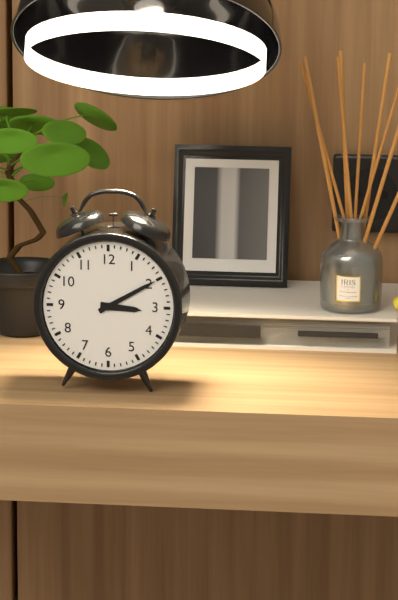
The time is 3,10
